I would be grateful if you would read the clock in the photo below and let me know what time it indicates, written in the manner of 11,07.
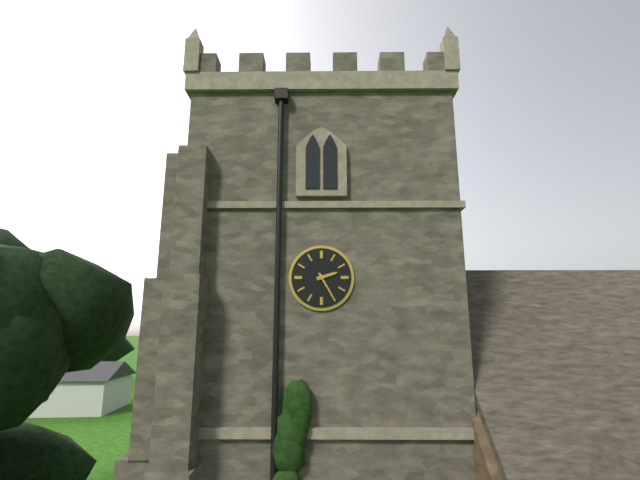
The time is 2,25
